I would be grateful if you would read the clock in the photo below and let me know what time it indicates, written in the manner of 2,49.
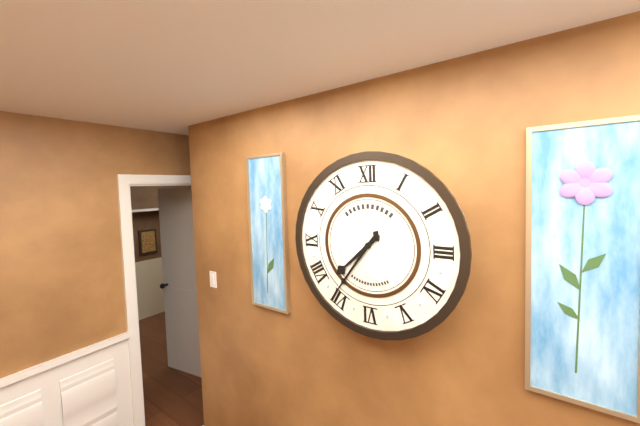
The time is 7,36
